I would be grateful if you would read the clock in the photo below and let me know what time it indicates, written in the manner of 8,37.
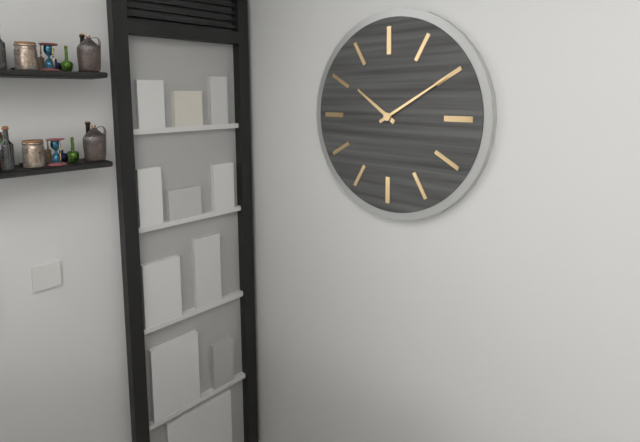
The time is 10,10
